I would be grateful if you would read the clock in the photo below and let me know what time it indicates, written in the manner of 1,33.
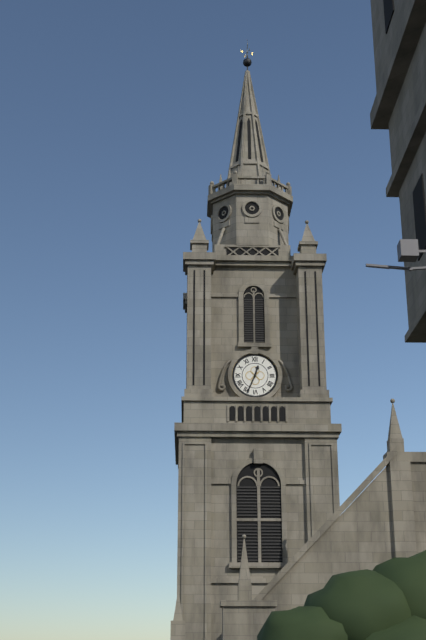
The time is 12,34
